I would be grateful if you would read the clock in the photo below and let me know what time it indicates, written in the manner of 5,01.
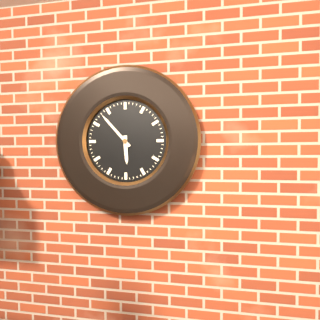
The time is 5,53
